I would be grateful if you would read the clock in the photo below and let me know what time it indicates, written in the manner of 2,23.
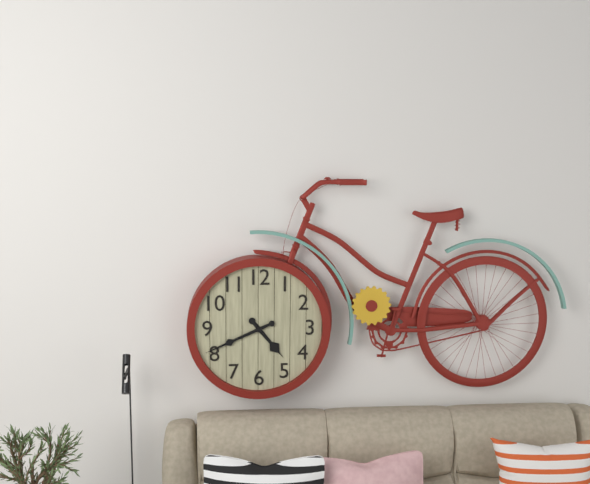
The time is 4,41
